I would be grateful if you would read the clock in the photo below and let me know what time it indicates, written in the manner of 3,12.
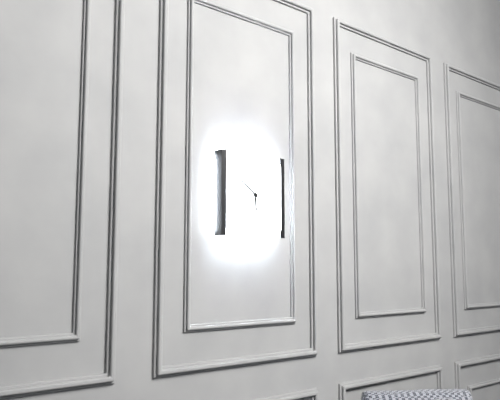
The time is 5,51
